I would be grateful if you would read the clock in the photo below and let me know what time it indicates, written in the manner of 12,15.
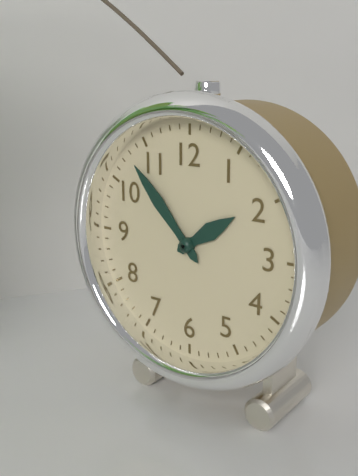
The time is 1,53
